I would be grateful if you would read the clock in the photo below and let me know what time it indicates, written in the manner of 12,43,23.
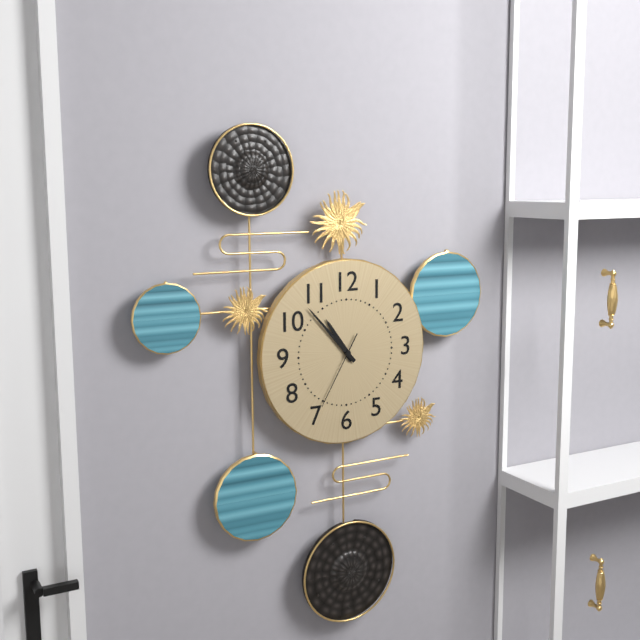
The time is 10,53,35
